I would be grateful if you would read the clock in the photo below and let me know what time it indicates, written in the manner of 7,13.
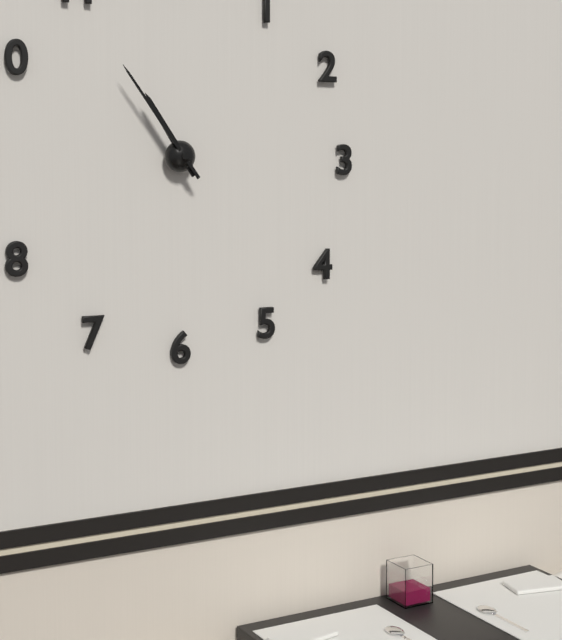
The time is 10,54
